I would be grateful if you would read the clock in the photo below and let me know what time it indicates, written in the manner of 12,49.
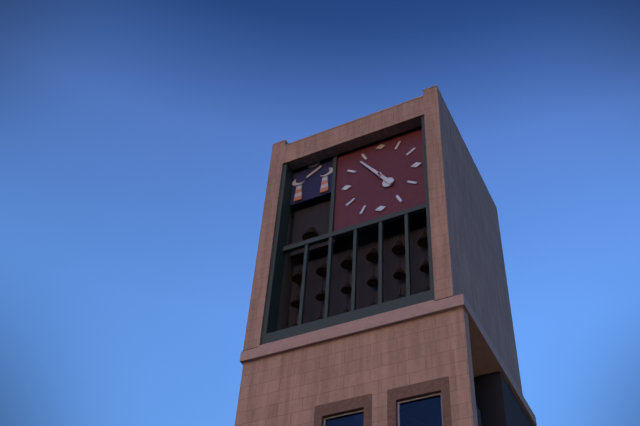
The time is 4,54
